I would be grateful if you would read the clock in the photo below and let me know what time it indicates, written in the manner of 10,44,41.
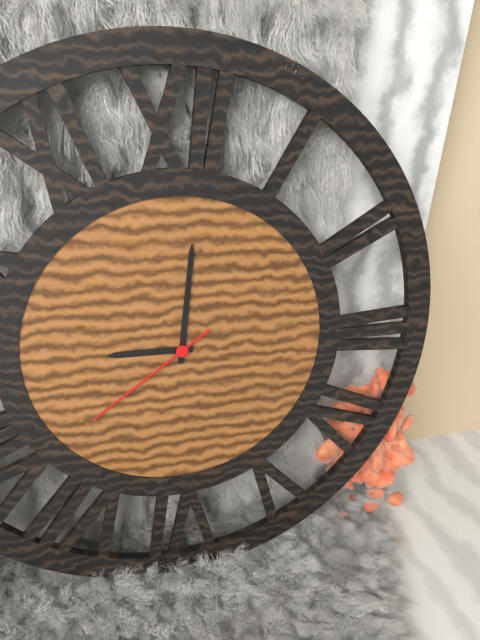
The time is 9,01,39
